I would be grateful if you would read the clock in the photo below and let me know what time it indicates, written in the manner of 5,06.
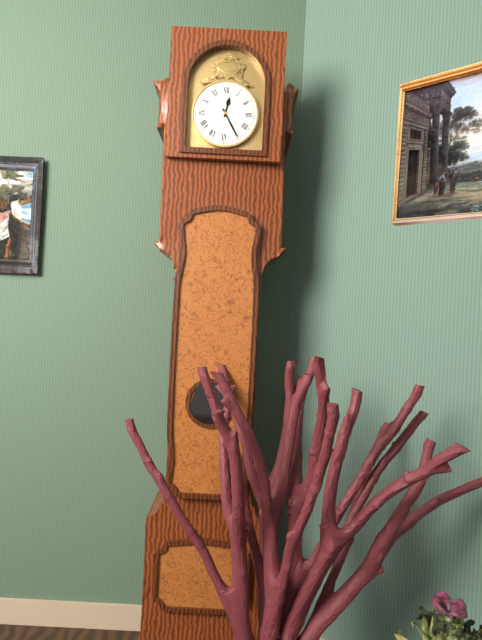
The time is 12,25
